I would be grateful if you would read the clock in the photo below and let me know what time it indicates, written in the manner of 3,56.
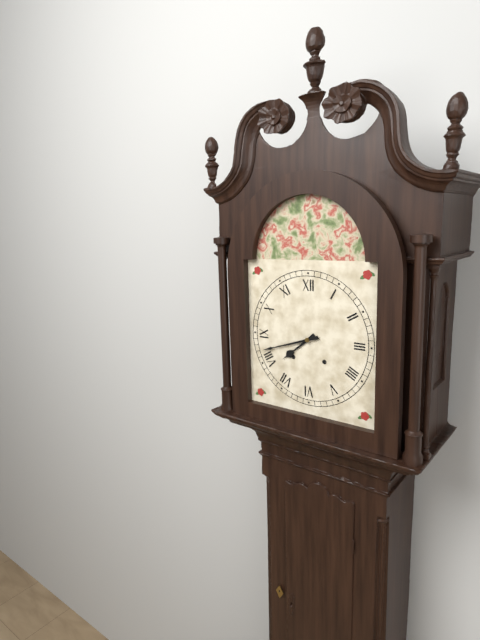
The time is 7,42
